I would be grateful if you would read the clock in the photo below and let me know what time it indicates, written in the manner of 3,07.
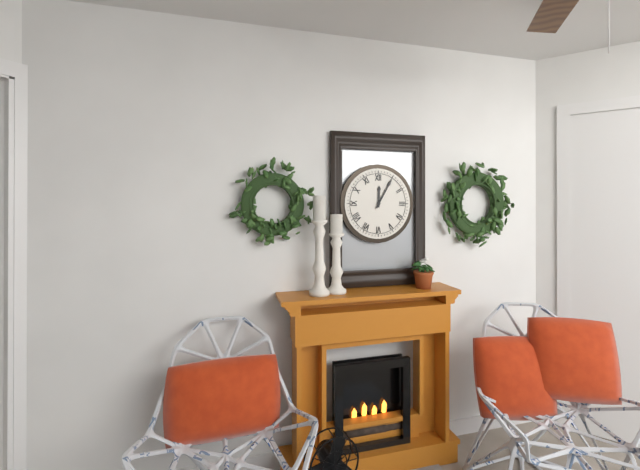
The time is 12,05
